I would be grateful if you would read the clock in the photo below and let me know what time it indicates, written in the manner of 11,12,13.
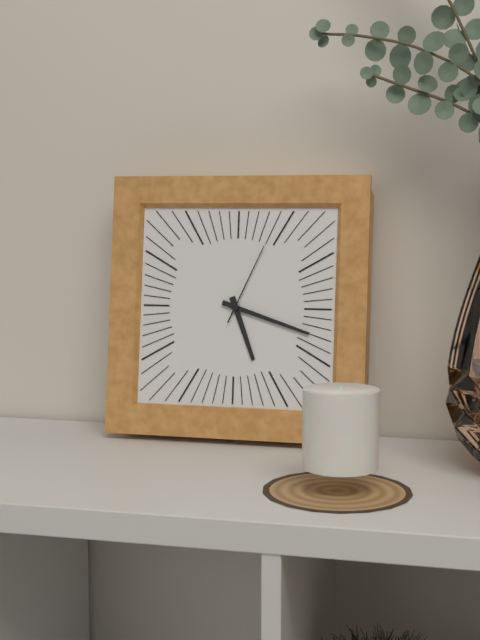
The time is 5,18,04
